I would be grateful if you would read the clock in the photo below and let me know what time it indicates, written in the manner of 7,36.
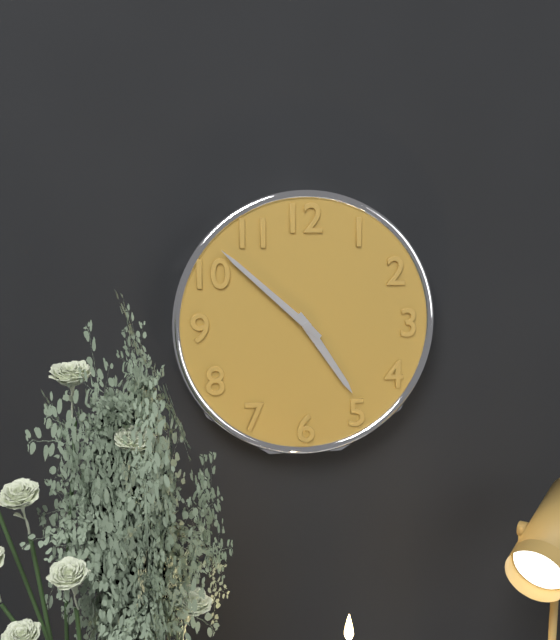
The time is 4,52
